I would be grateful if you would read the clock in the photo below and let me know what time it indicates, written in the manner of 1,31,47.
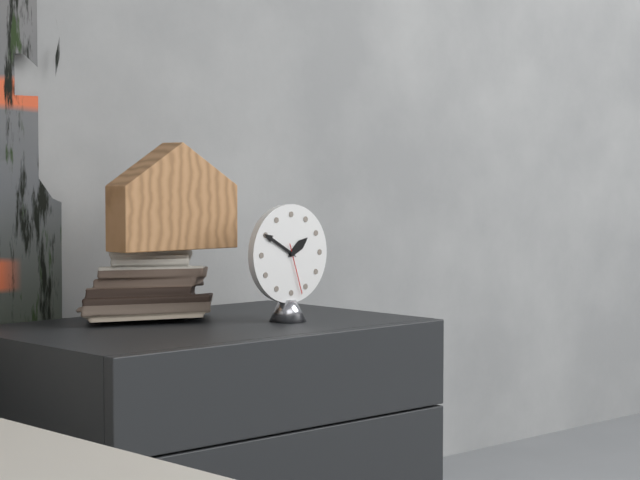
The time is 1,50,27
